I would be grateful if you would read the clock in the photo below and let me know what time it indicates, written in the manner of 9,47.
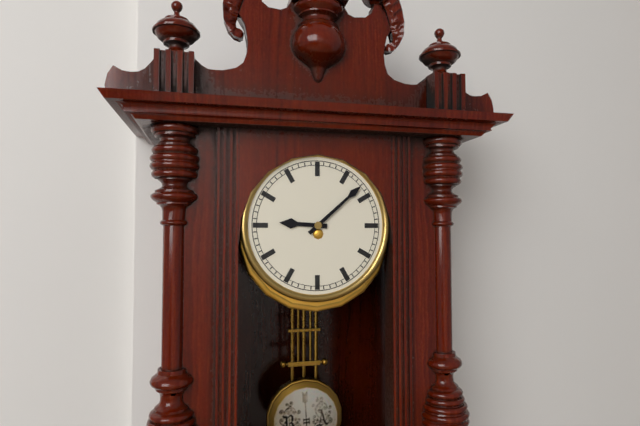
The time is 9,08
